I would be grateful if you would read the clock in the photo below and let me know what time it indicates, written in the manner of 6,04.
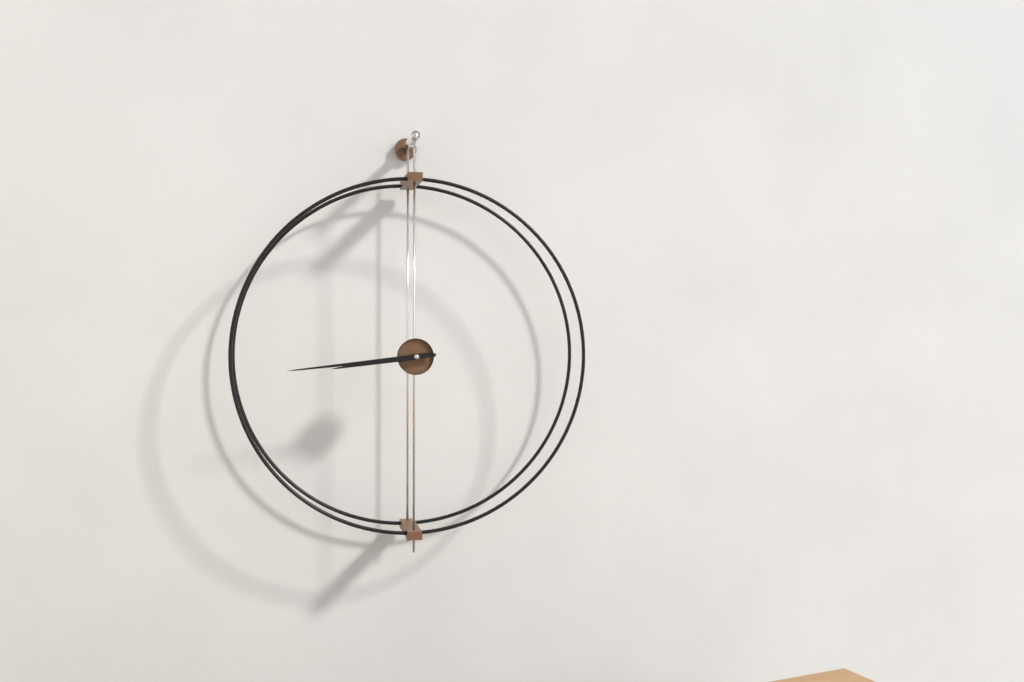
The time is 8,44
